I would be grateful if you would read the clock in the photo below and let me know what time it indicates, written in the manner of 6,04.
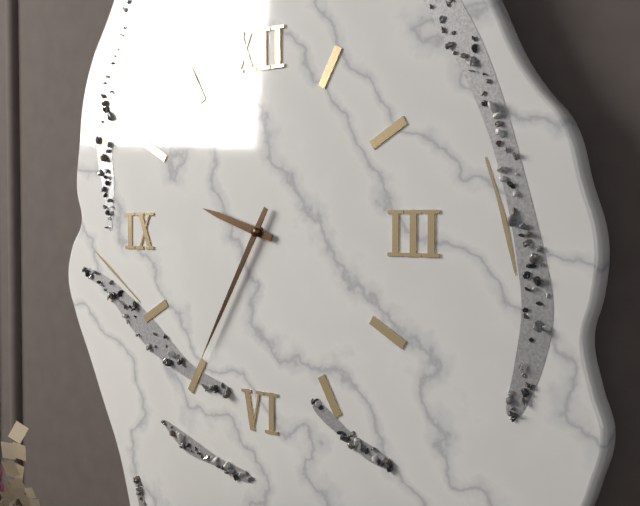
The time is 9,35
